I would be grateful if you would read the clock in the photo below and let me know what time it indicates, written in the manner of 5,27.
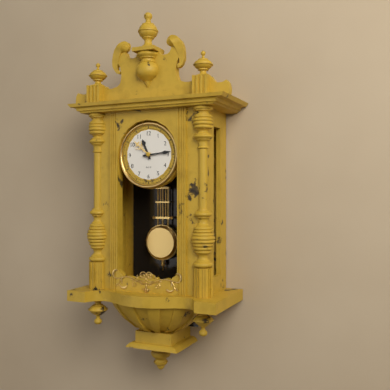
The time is 11,14
